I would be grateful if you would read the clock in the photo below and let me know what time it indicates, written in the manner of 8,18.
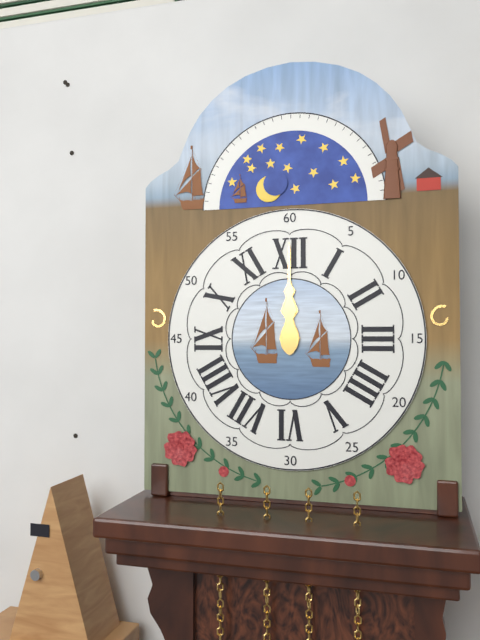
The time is 12,00
